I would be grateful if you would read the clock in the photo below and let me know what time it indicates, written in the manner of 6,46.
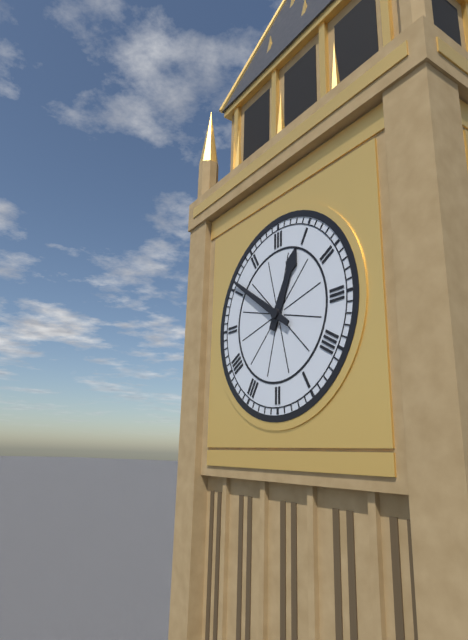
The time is 12,51
